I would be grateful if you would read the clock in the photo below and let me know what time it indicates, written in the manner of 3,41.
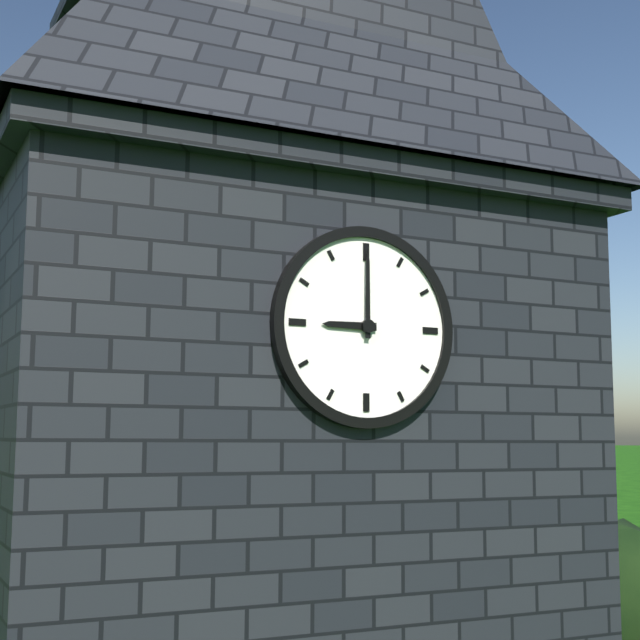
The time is 9,00
